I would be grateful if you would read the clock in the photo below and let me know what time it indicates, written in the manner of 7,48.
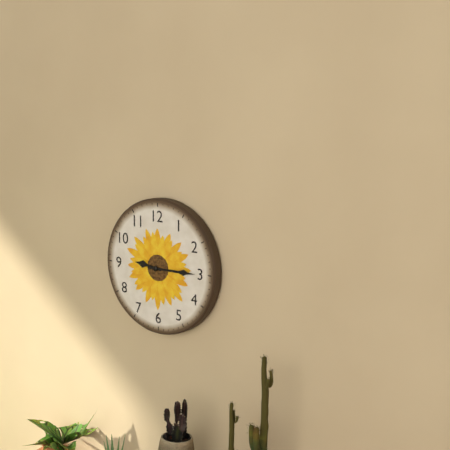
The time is 9,15
